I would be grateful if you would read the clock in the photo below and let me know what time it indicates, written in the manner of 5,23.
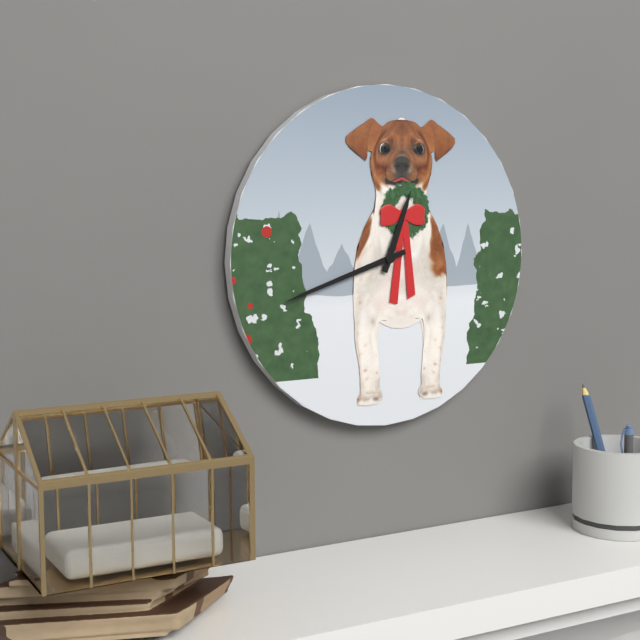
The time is 12,42
